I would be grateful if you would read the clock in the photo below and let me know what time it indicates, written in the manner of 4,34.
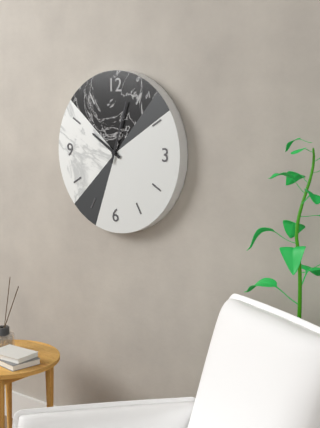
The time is 10,03
